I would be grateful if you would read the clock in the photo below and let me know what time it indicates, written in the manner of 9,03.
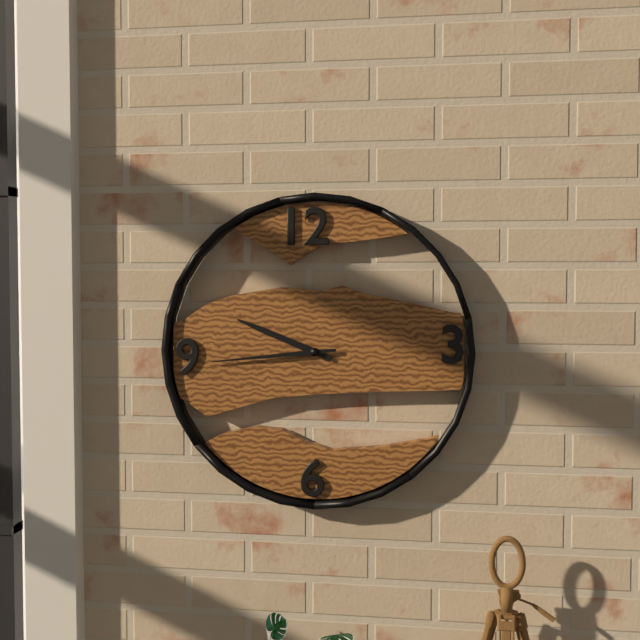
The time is 9,44
